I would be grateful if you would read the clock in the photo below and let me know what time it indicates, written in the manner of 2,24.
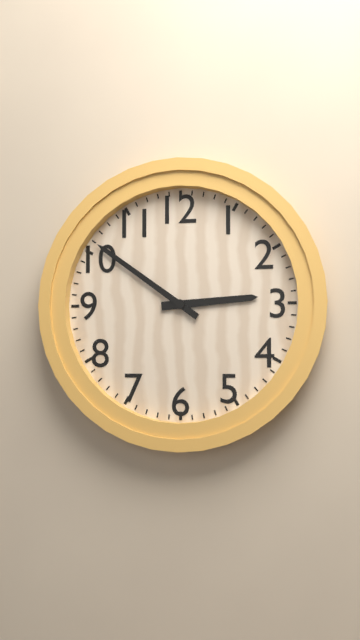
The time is 2,51
